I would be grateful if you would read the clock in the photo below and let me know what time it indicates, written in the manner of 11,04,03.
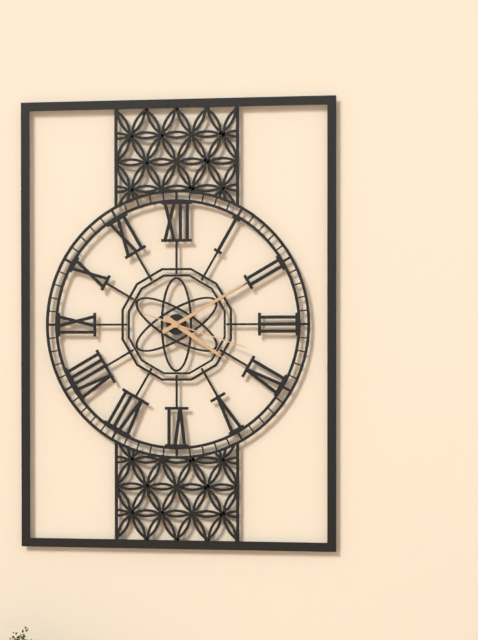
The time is 4,10,18
